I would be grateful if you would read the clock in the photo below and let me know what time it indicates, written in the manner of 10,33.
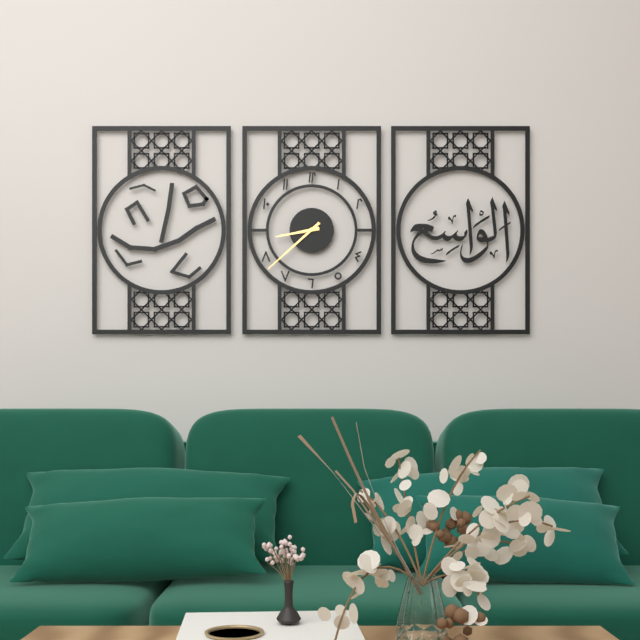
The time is 8,38
